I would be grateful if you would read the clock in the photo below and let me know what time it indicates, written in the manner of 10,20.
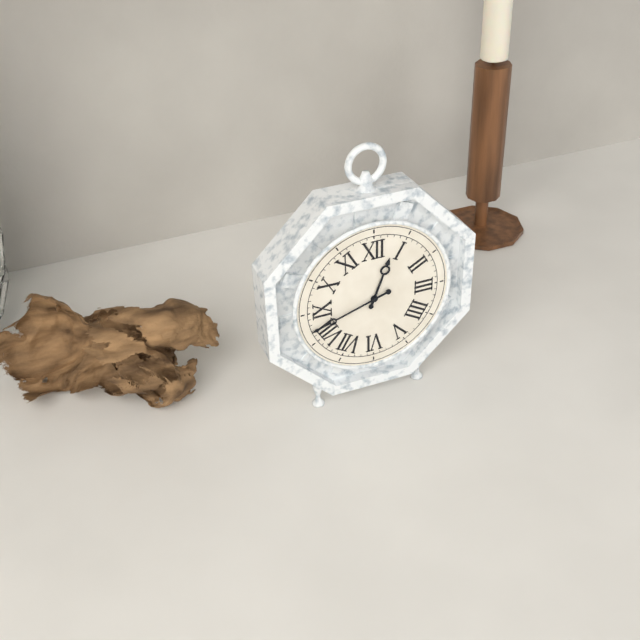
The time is 12,42
